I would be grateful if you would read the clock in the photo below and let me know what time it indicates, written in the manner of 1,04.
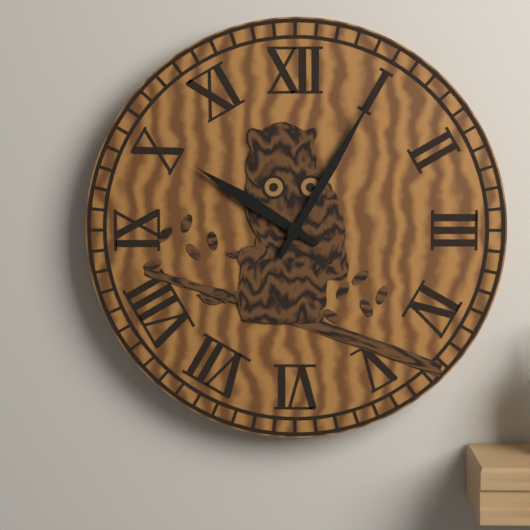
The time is 10,05
